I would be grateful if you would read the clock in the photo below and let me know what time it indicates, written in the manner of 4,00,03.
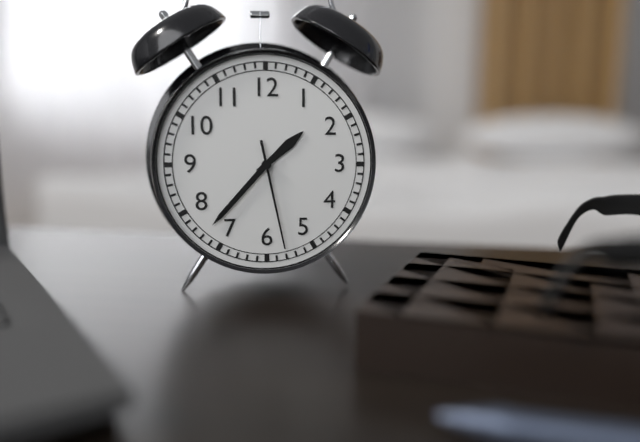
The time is 1,37,28
